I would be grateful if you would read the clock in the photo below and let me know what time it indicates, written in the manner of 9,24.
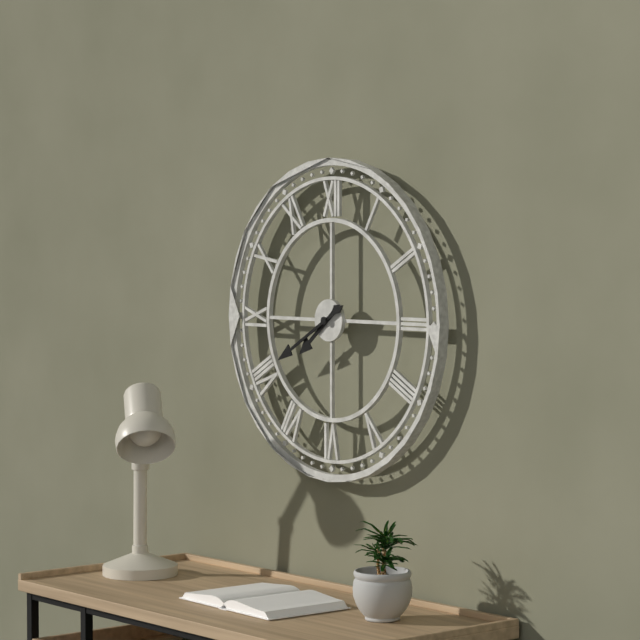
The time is 7,40
